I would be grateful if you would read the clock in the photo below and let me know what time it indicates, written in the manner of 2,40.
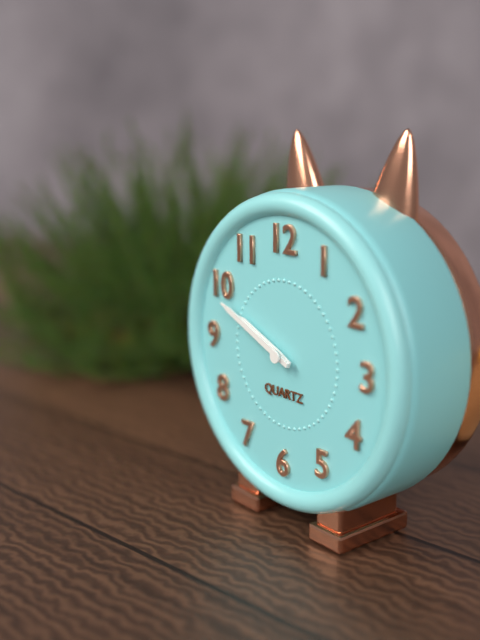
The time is 9,49
